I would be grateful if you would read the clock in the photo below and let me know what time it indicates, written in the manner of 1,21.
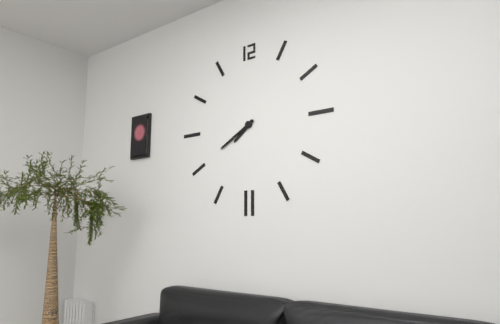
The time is 7,40
